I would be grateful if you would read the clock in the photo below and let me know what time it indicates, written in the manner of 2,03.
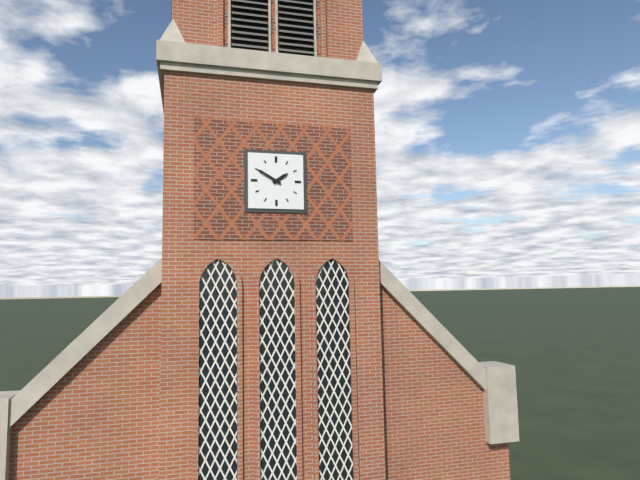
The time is 1,50
